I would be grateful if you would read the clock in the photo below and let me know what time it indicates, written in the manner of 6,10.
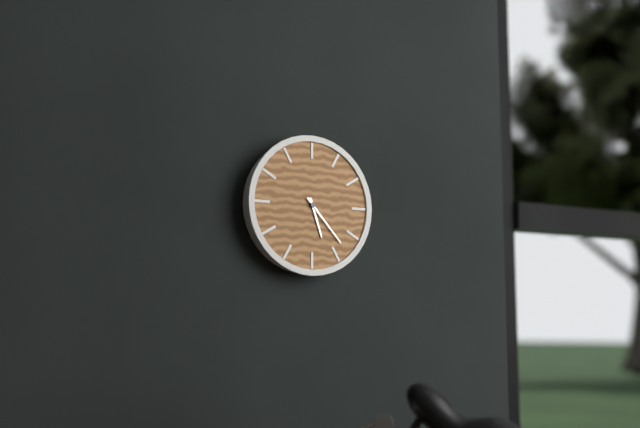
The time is 5,23
